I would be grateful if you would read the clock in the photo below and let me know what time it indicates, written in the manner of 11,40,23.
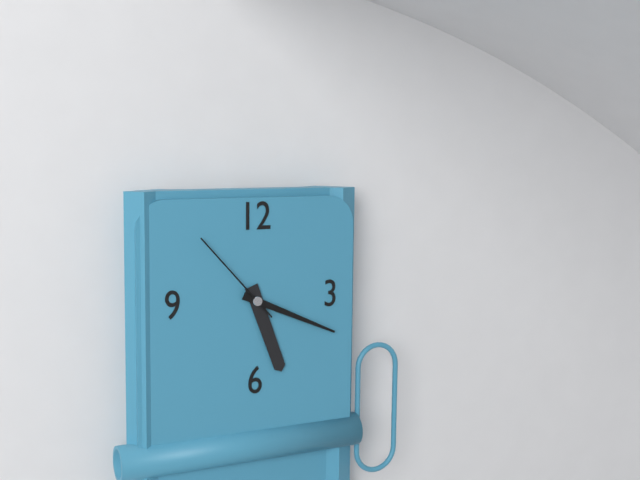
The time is 5,19,53
